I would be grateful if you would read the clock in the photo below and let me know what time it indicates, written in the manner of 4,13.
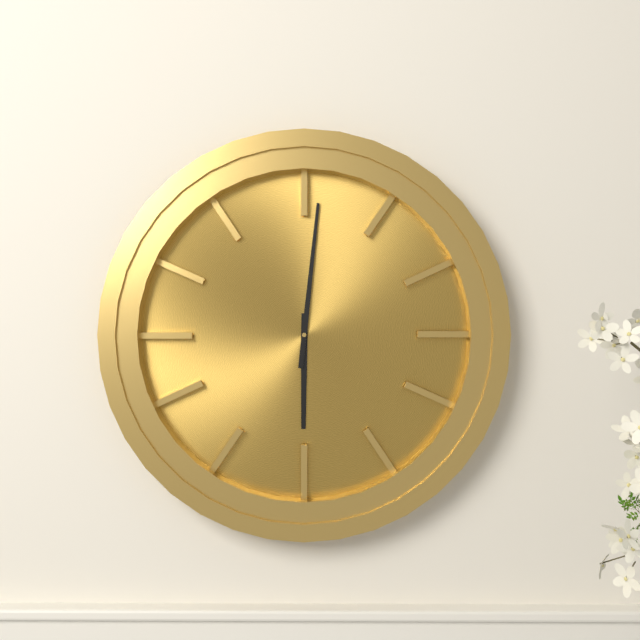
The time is 6,01
